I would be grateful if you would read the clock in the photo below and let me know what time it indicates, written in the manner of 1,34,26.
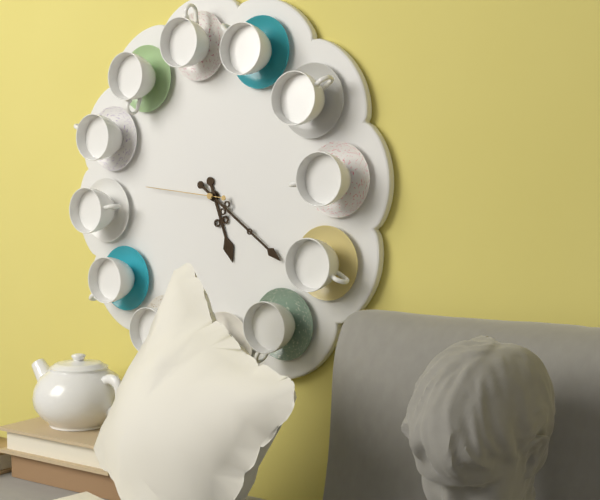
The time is 5,21,46
